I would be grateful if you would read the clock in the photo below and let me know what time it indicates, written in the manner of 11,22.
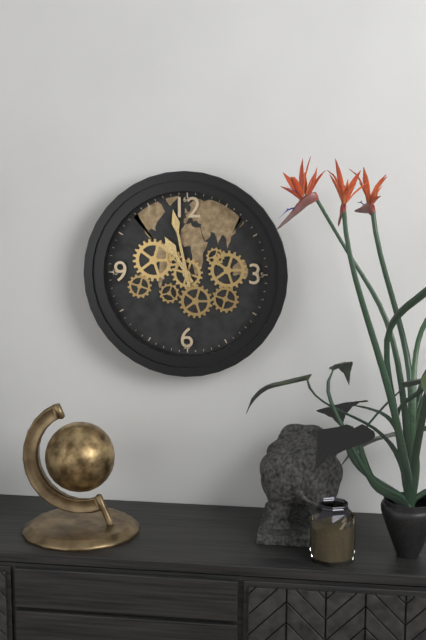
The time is 10,58
